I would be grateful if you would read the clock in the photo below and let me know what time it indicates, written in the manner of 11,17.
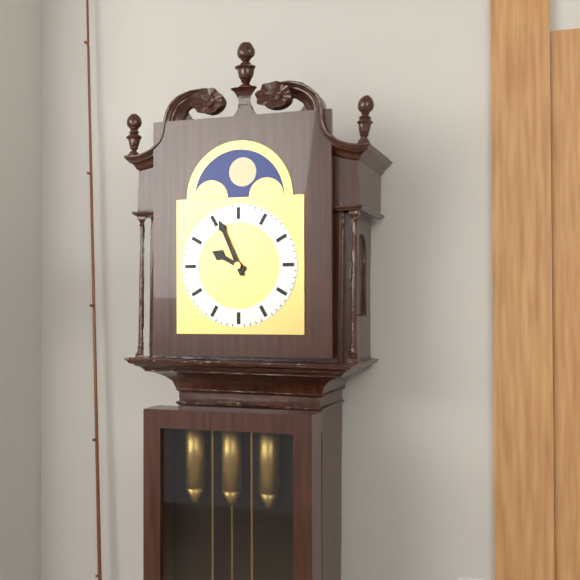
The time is 9,56
